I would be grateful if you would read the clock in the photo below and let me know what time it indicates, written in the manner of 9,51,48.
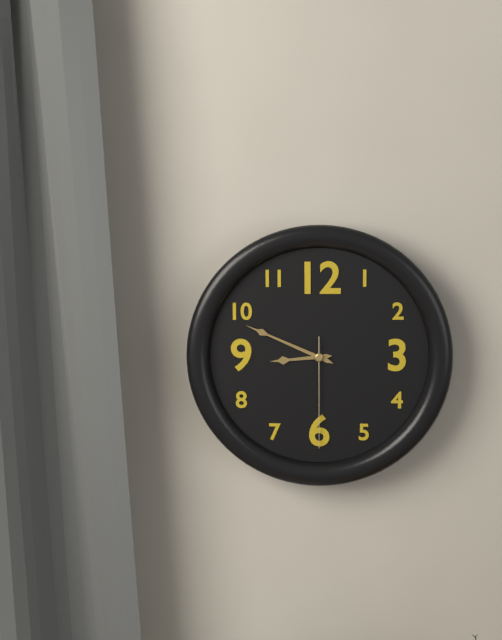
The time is 8,49,30
